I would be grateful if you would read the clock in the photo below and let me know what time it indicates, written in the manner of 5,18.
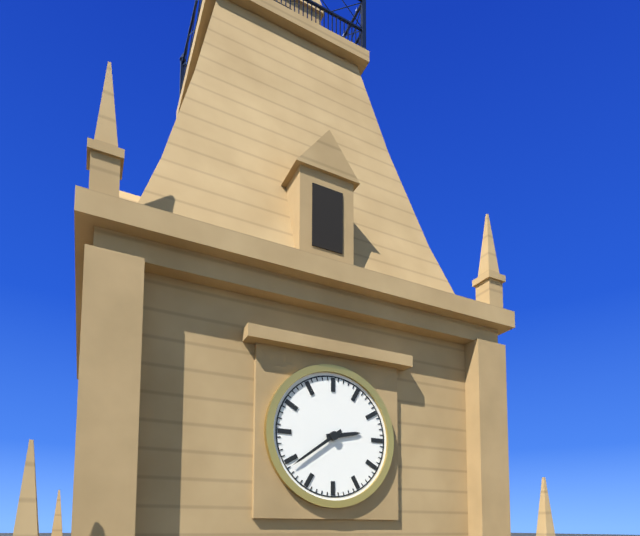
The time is 2,39
